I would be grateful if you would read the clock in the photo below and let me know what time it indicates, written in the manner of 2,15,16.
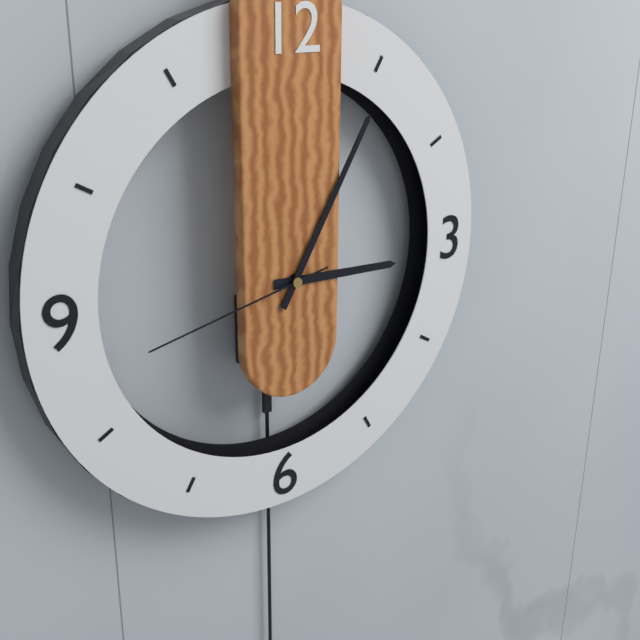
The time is 3,05,43
